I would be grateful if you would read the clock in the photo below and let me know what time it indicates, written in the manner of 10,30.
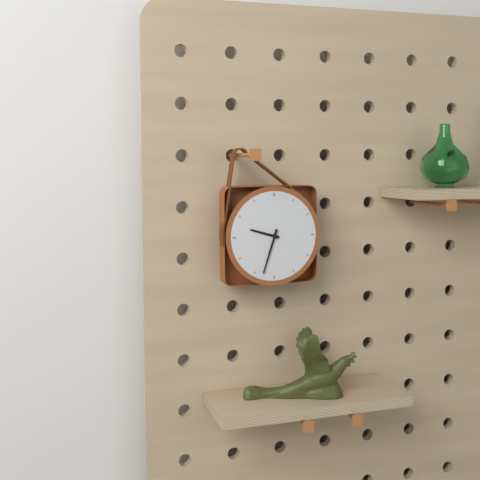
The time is 9,33
